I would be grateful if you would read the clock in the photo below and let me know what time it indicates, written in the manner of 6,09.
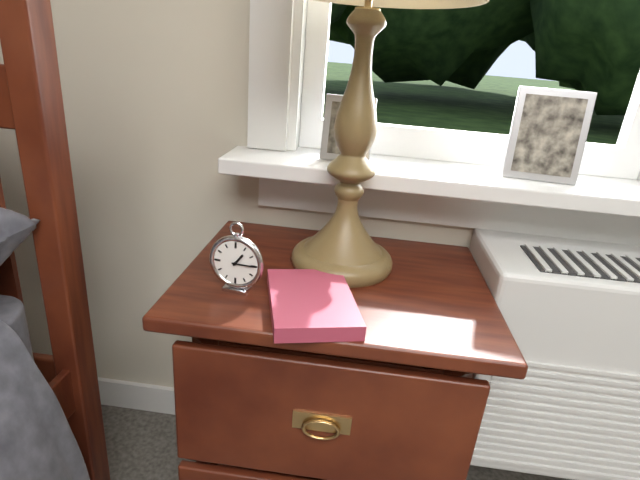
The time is 1,15
